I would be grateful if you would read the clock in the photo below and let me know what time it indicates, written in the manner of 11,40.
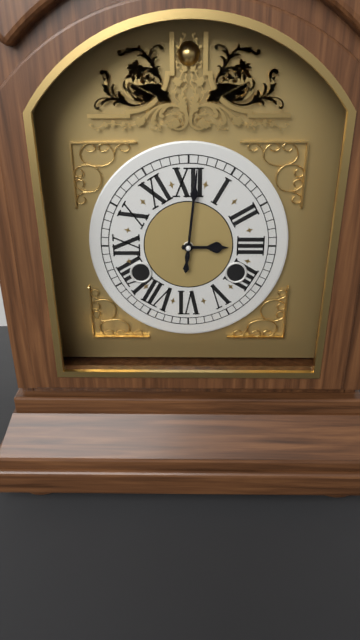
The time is 3,01
